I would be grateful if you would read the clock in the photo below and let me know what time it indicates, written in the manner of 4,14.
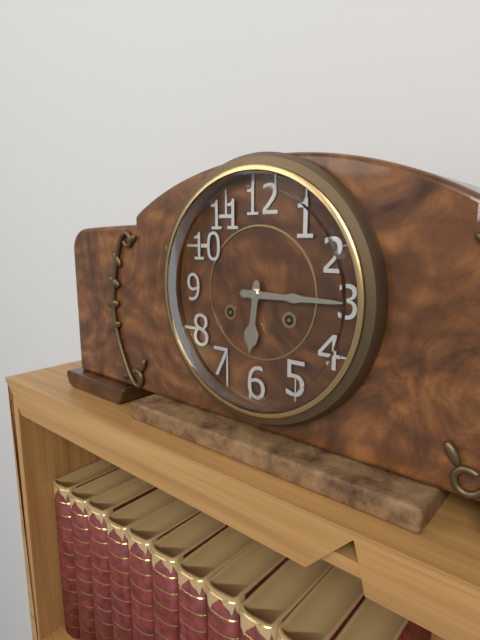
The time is 6,15
